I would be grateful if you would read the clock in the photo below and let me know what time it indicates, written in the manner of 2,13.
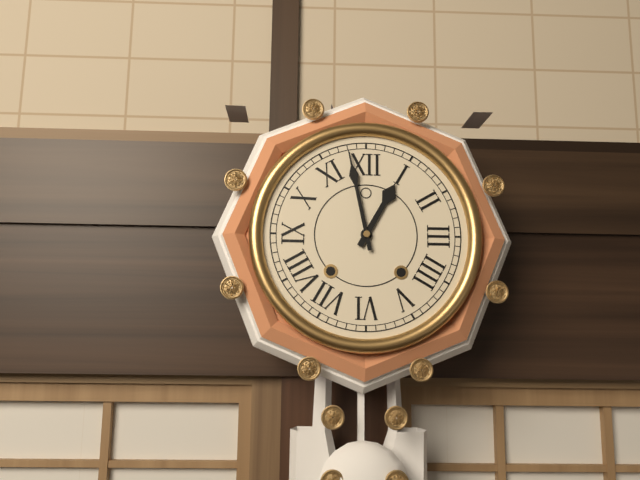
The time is 12,58
